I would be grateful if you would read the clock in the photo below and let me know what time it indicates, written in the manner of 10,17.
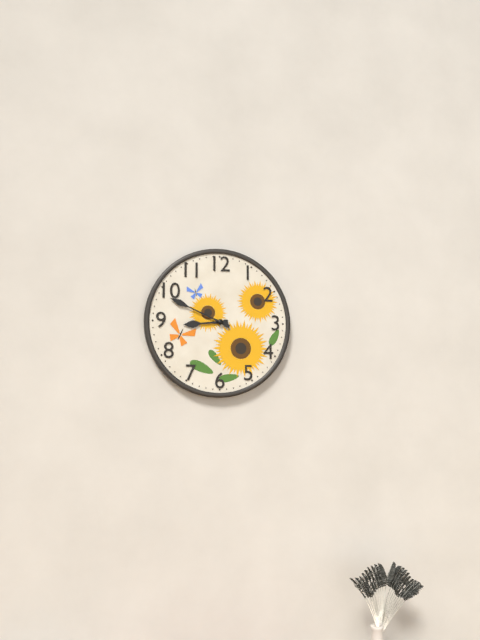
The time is 8,49
